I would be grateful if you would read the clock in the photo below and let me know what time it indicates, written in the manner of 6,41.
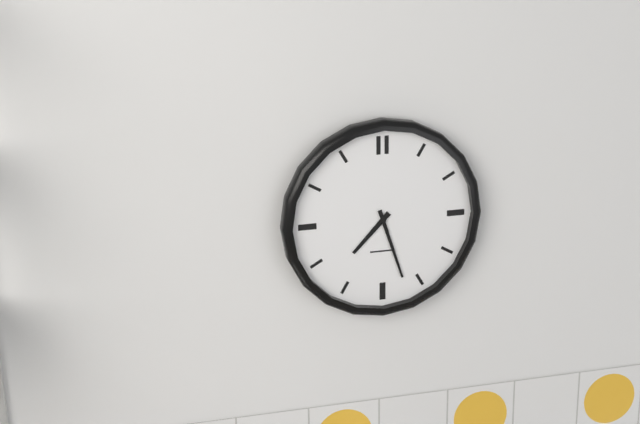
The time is 7,27
